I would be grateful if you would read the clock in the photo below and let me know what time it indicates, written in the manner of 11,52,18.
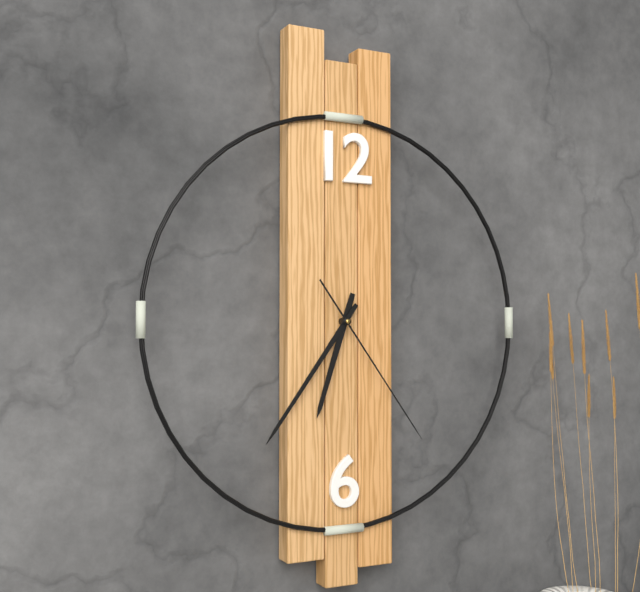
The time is 6,36,24
